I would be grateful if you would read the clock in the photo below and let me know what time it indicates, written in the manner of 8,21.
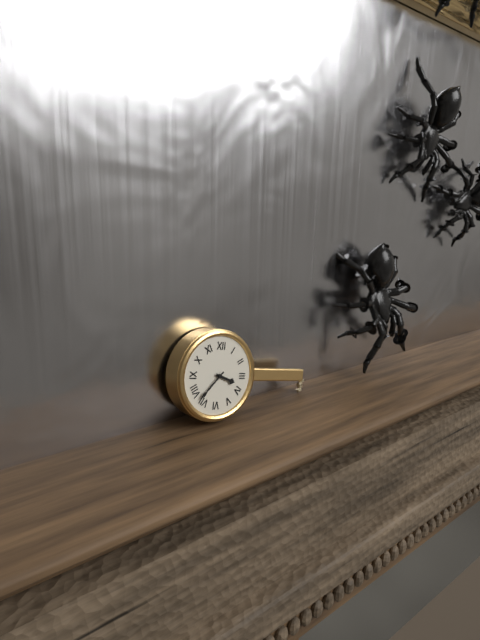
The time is 3,37
